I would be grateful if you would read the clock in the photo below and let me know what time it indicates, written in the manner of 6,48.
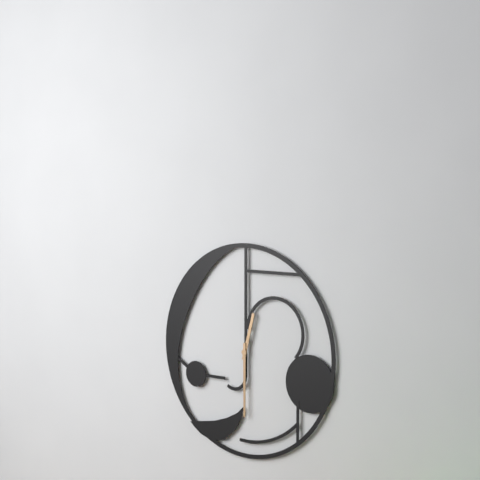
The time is 12,30
